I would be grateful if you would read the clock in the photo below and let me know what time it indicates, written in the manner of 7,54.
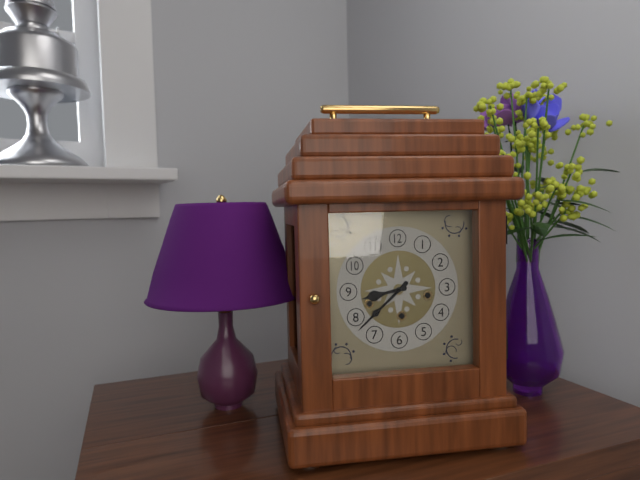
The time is 8,38
